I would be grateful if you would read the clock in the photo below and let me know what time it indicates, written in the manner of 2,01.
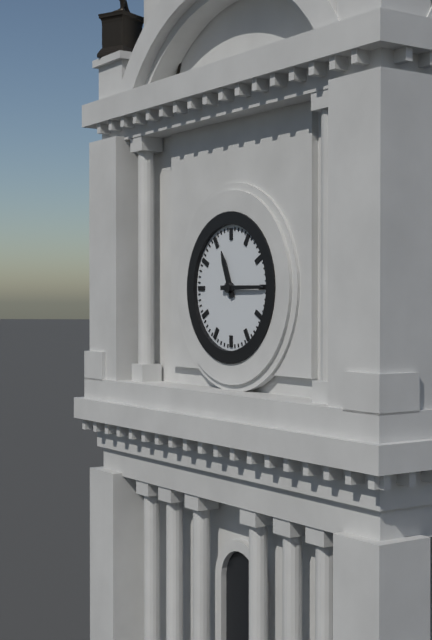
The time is 11,15
